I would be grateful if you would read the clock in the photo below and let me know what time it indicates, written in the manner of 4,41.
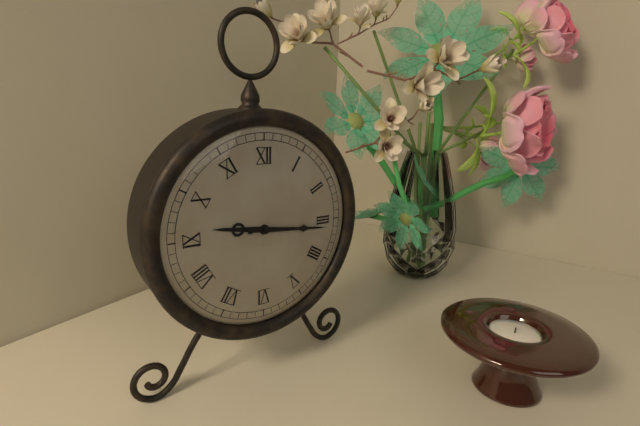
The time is 9,16
